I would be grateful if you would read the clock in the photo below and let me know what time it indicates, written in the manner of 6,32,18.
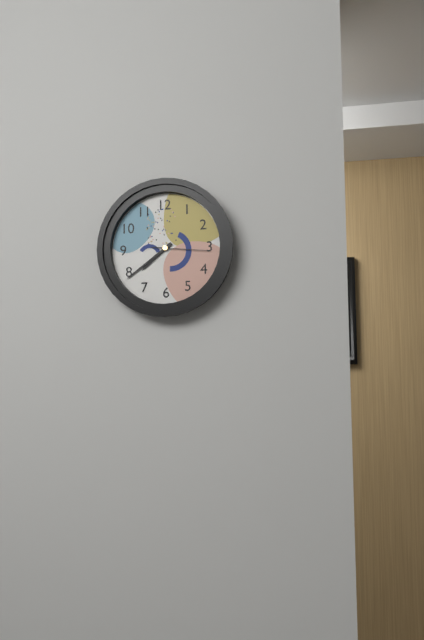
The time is 7,39,16
